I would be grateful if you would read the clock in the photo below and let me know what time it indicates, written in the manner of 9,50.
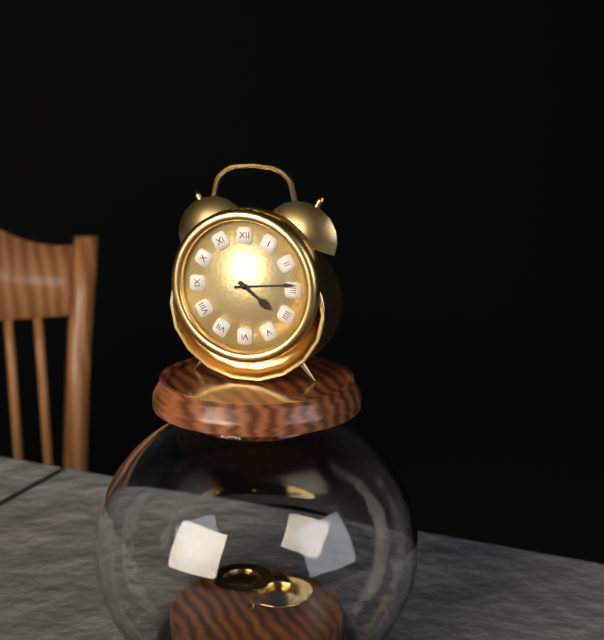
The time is 4,14
